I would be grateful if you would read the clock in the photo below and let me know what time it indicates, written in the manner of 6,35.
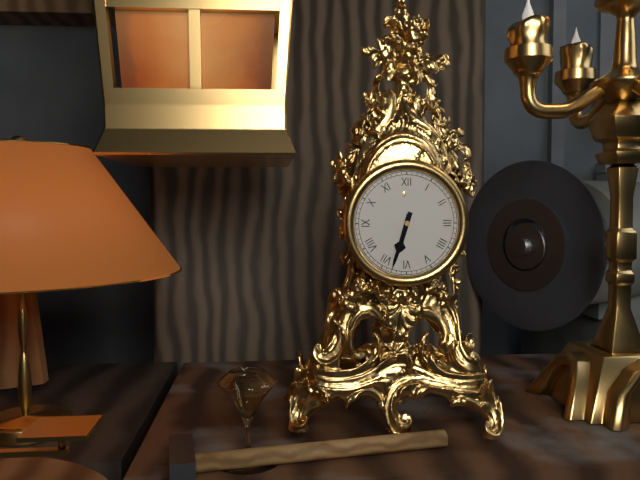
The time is 6,33
